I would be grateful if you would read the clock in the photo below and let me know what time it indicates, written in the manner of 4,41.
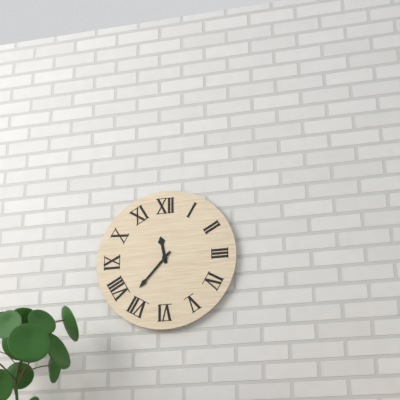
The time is 11,37
